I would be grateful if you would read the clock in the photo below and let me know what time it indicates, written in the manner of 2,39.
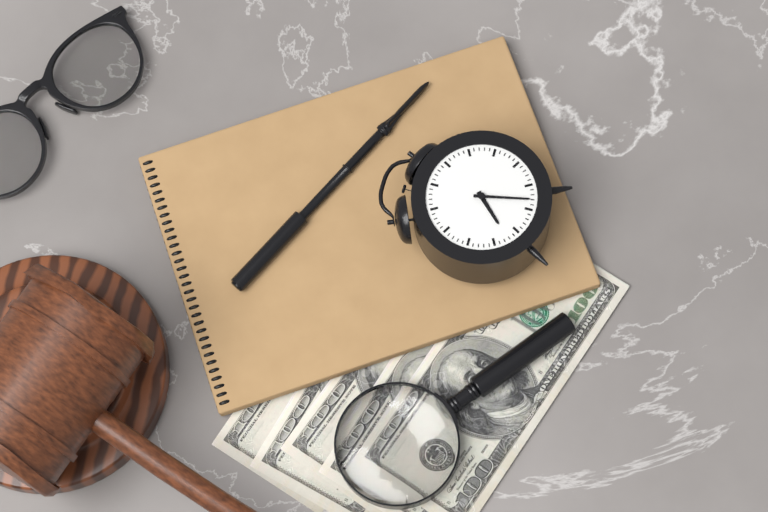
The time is 7,28
